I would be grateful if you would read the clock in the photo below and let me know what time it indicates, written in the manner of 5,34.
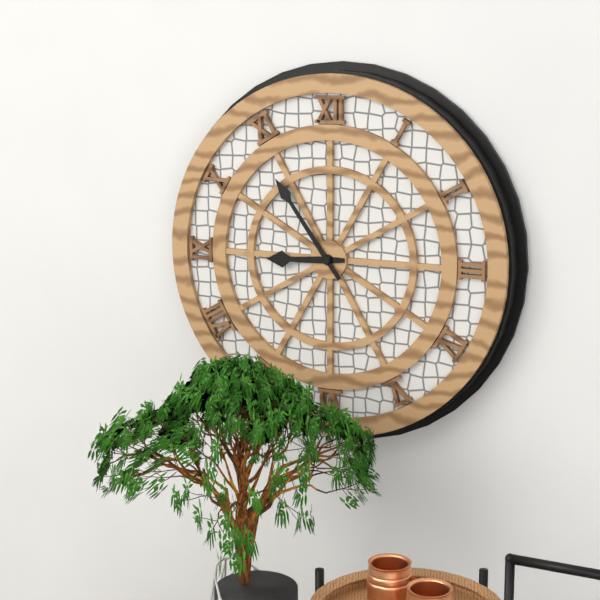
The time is 8,54
